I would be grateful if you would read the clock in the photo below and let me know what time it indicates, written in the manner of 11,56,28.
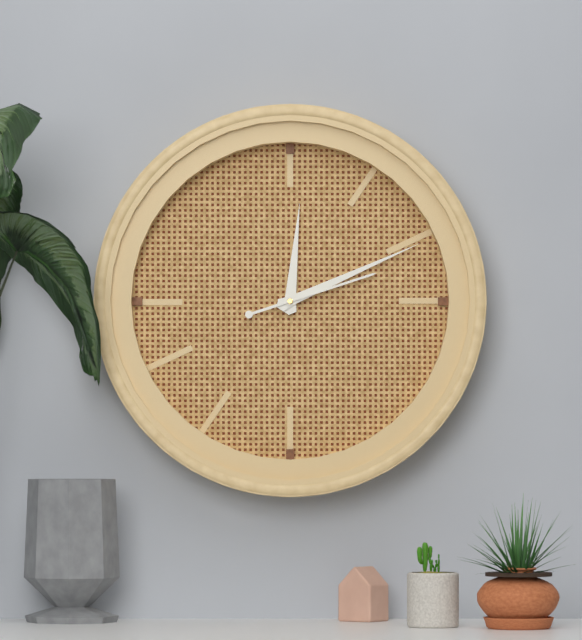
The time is 12,11,12
